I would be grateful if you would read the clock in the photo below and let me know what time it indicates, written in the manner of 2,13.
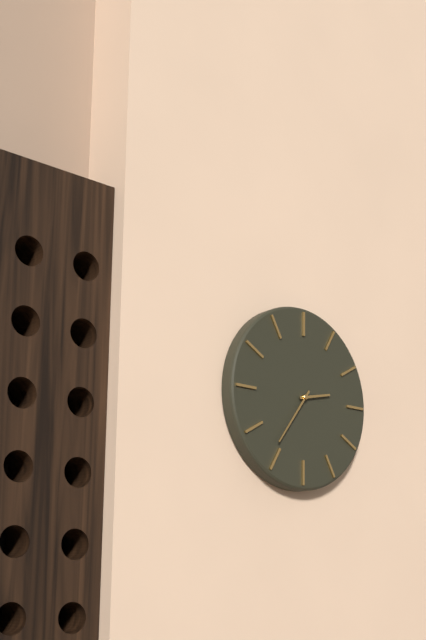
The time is 2,36
